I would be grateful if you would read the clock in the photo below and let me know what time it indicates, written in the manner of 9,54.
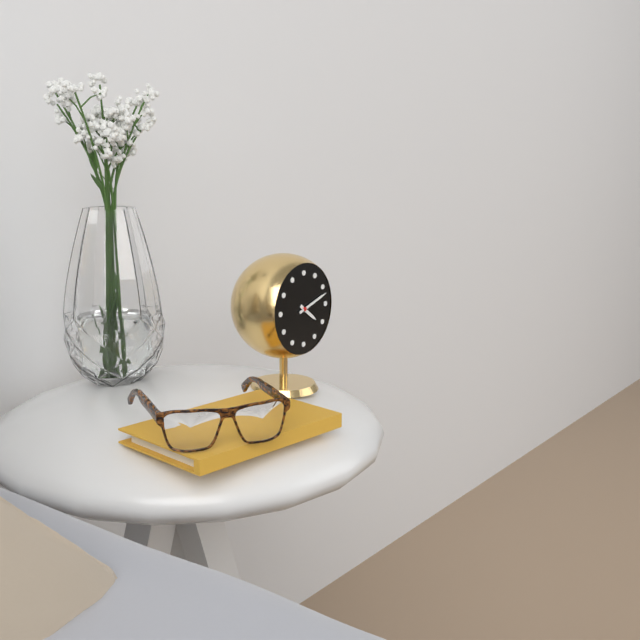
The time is 4,12
